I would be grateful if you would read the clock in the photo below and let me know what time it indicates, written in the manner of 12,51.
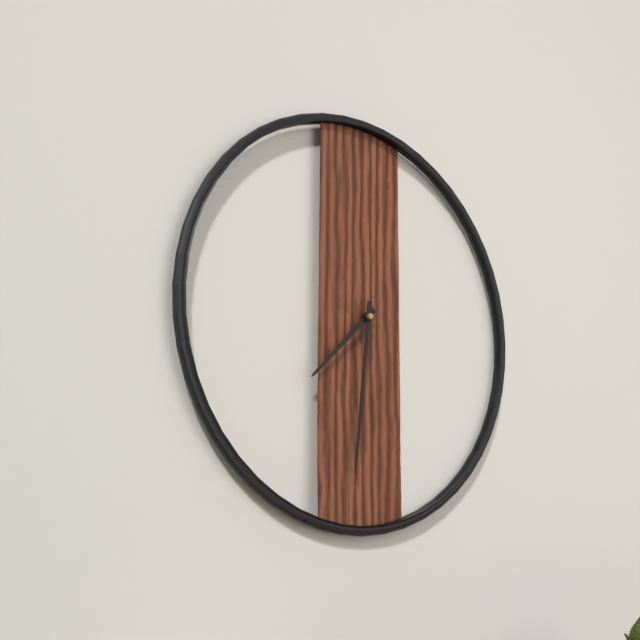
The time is 7,31
